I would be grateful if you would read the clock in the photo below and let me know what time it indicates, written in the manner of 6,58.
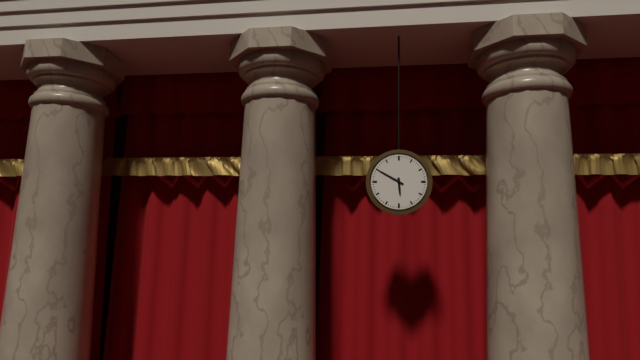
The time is 5,50
